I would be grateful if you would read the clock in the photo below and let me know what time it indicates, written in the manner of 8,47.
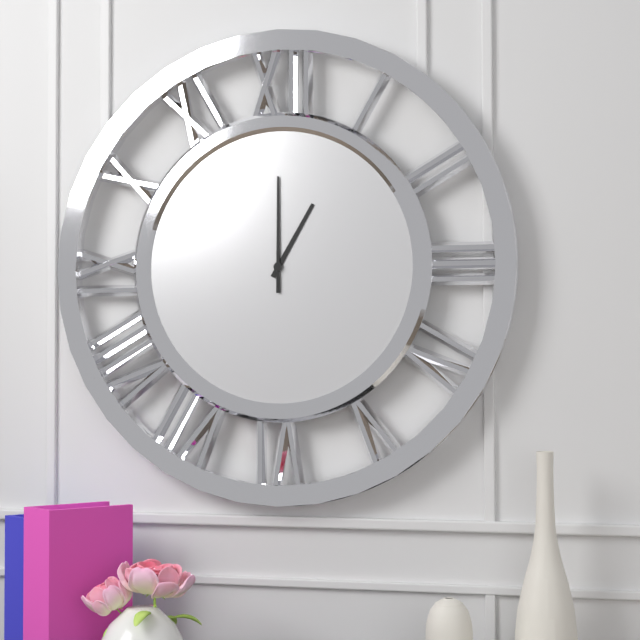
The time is 1,00
